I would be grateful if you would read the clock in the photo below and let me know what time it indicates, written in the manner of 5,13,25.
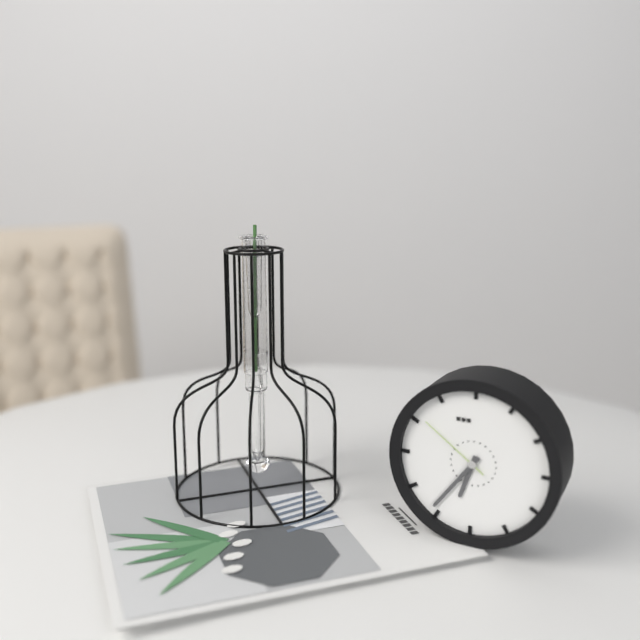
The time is 6,36,51
